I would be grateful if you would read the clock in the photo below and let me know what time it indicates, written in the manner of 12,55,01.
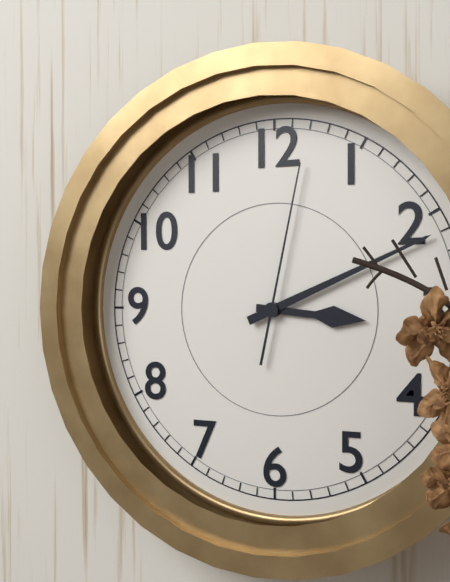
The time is 3,11,02
